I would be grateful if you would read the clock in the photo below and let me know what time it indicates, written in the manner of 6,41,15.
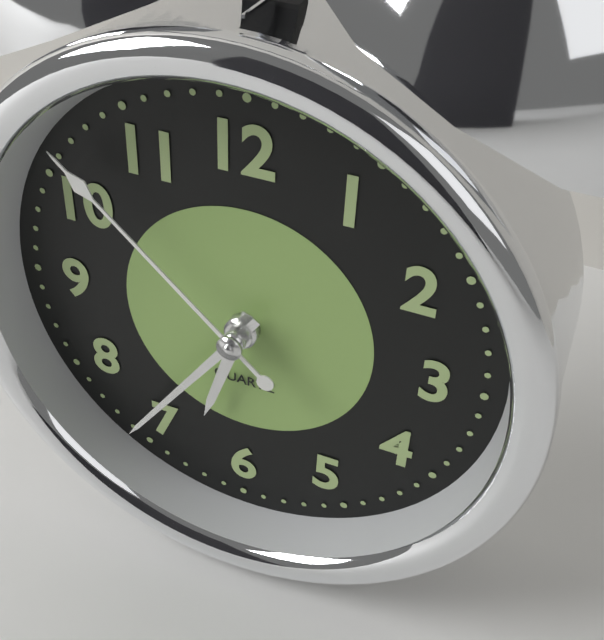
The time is 6,36,52
